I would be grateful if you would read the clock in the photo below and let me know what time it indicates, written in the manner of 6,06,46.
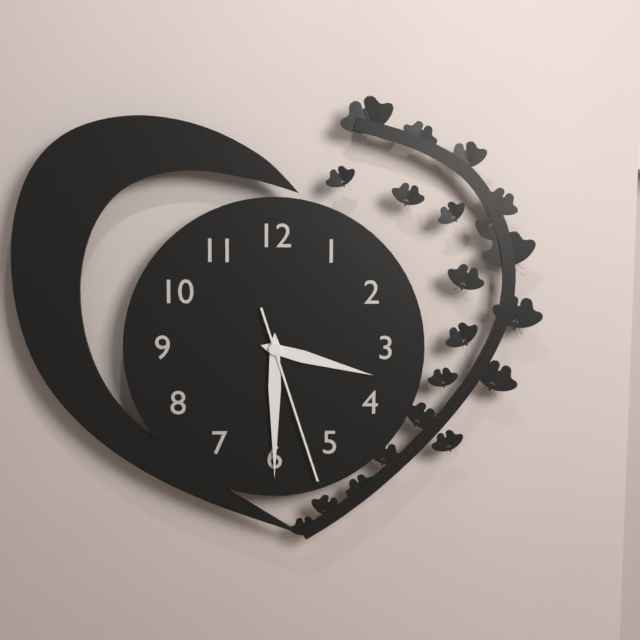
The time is 3,30,27
